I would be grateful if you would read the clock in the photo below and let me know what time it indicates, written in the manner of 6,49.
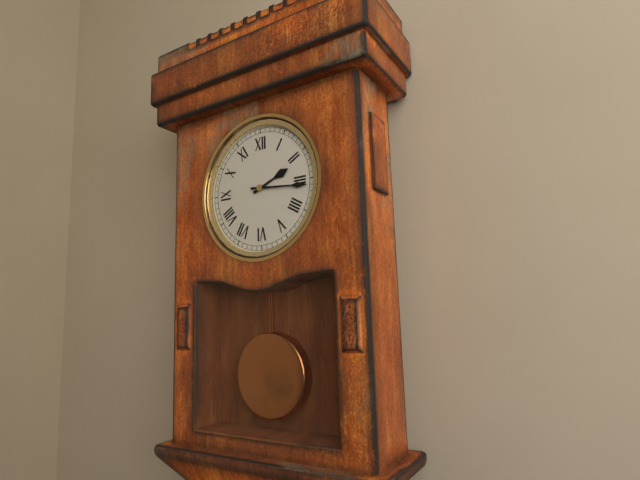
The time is 2,16
